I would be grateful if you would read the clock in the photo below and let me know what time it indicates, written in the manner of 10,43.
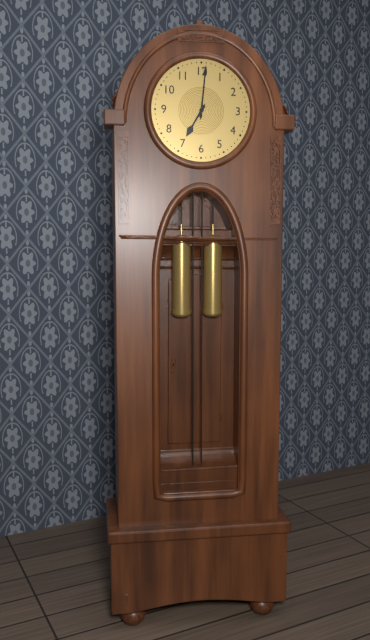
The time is 7,01
